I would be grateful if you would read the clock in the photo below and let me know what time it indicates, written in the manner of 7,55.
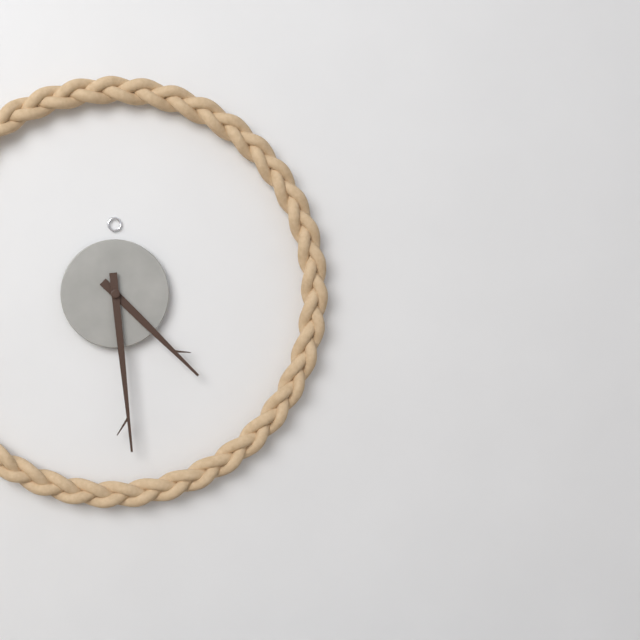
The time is 4,29
